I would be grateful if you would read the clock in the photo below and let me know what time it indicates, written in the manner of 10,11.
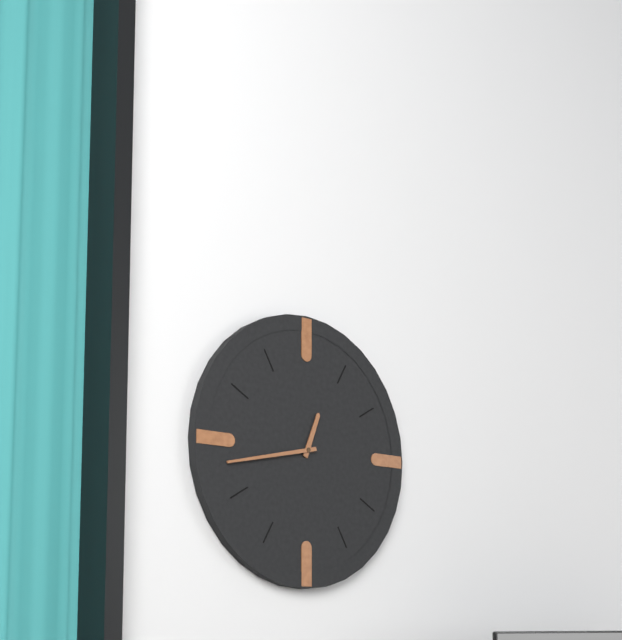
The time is 12,43
